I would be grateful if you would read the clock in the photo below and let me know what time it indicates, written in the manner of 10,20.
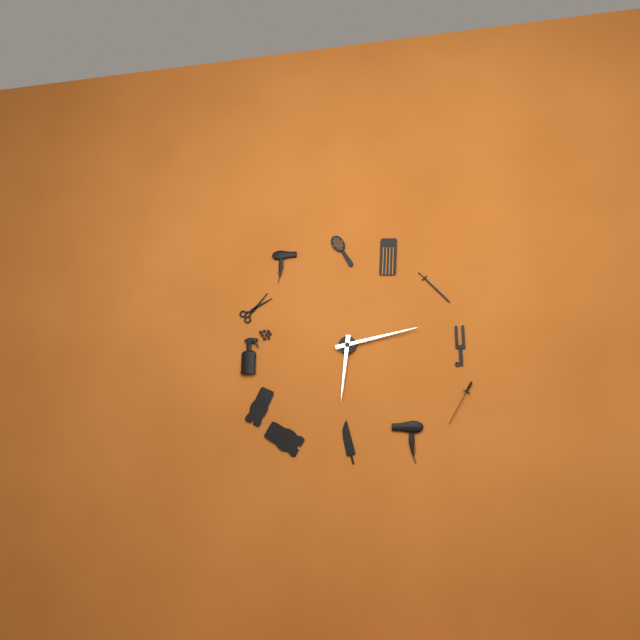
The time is 6,13
